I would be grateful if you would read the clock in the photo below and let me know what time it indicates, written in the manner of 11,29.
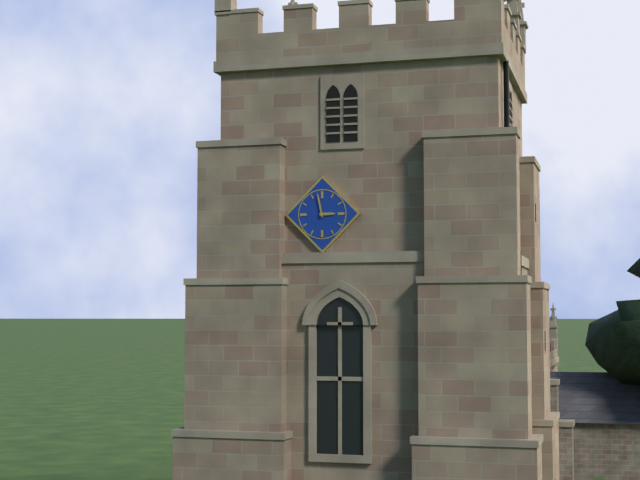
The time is 2,58
